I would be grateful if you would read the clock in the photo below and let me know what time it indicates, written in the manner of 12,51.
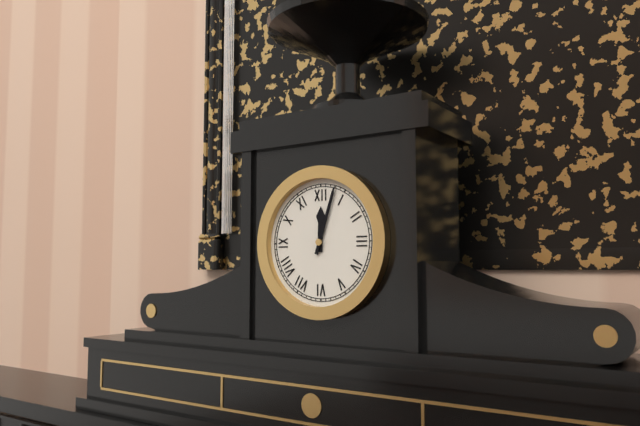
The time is 12,03
